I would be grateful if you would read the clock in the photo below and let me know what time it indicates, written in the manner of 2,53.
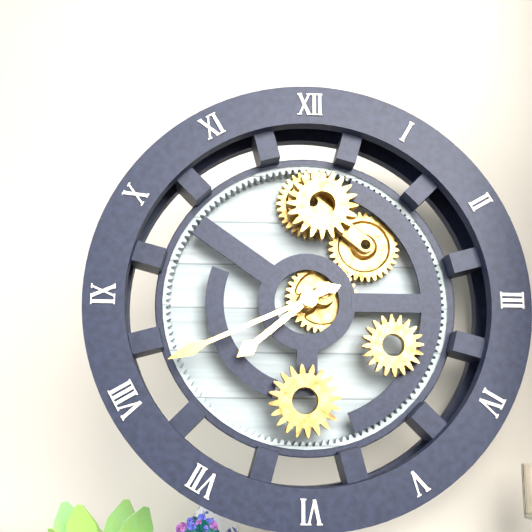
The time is 7,41
